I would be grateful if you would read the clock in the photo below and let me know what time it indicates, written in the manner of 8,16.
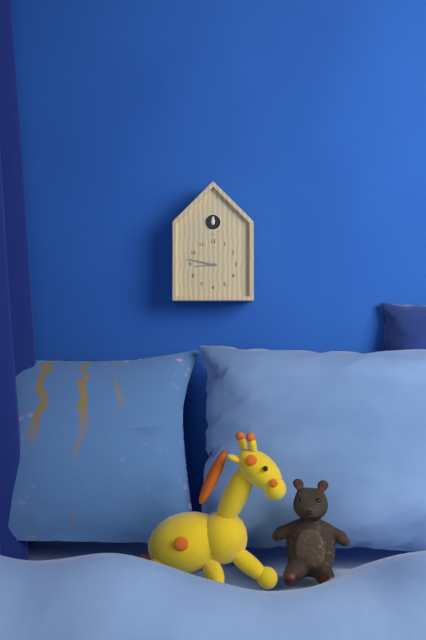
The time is 8,47
